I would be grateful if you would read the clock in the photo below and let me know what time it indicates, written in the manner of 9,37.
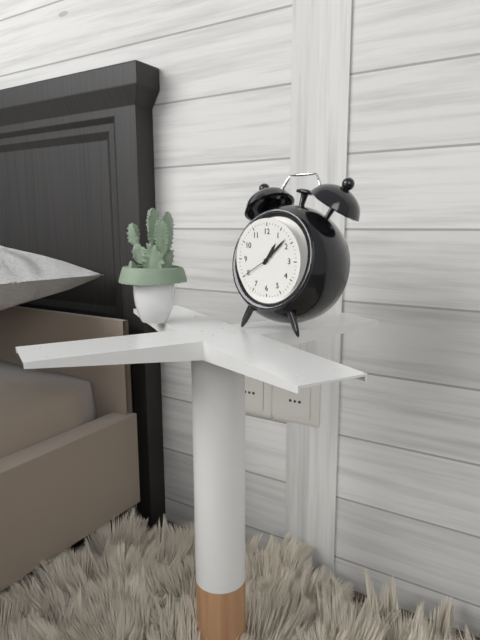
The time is 1,08
